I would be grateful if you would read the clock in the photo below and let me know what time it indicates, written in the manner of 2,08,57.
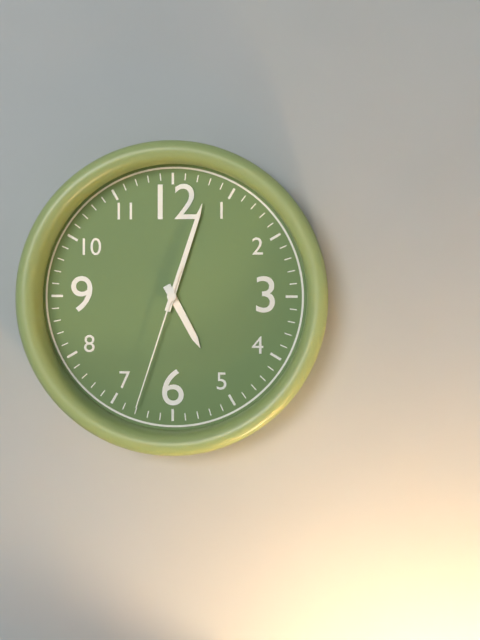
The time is 5,03,33
